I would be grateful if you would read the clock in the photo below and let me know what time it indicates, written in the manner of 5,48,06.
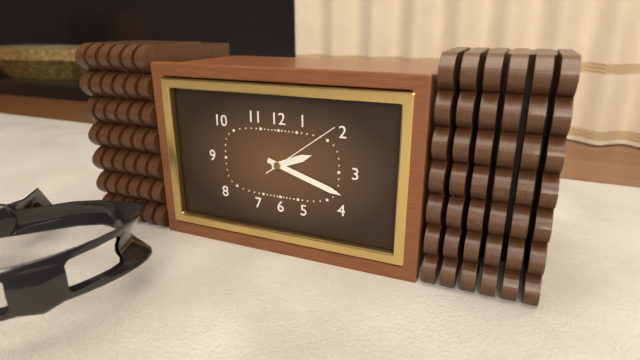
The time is 2,18,09
